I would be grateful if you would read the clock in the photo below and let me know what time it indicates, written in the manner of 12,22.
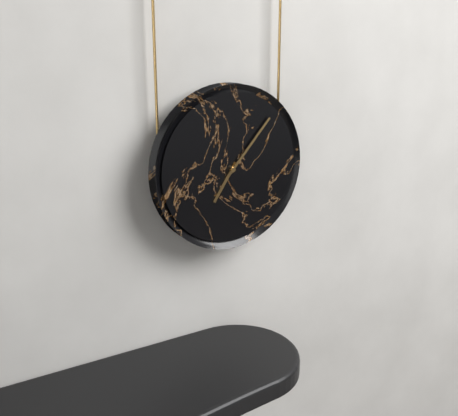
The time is 7,07
